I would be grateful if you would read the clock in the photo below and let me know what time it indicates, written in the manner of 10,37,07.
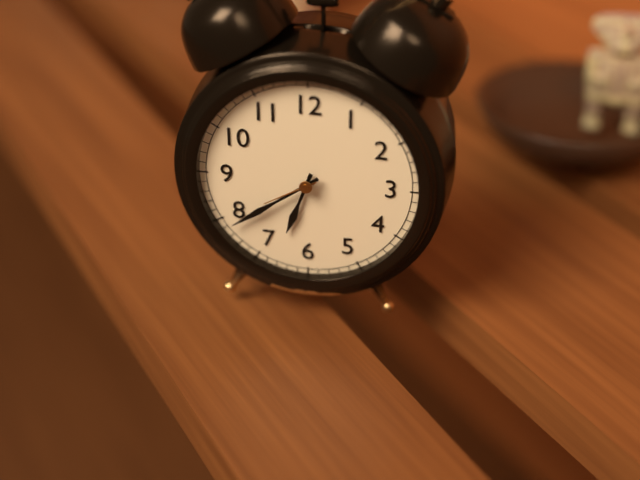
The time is 6,39,40
